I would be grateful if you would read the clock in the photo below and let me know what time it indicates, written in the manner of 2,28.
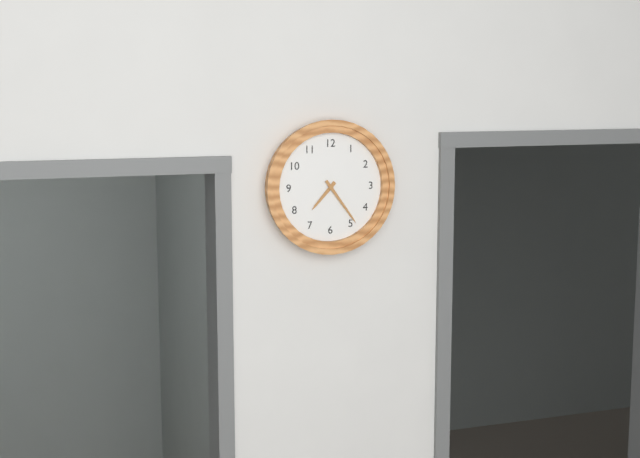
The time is 7,24
